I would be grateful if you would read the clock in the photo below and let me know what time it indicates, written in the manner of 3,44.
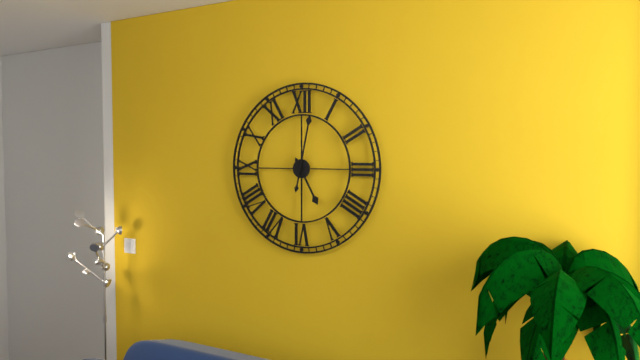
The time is 5,02
